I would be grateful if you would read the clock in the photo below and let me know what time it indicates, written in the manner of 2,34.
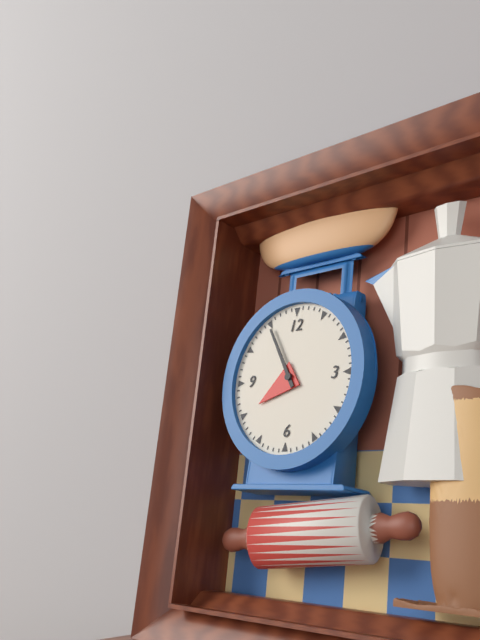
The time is 7,55
